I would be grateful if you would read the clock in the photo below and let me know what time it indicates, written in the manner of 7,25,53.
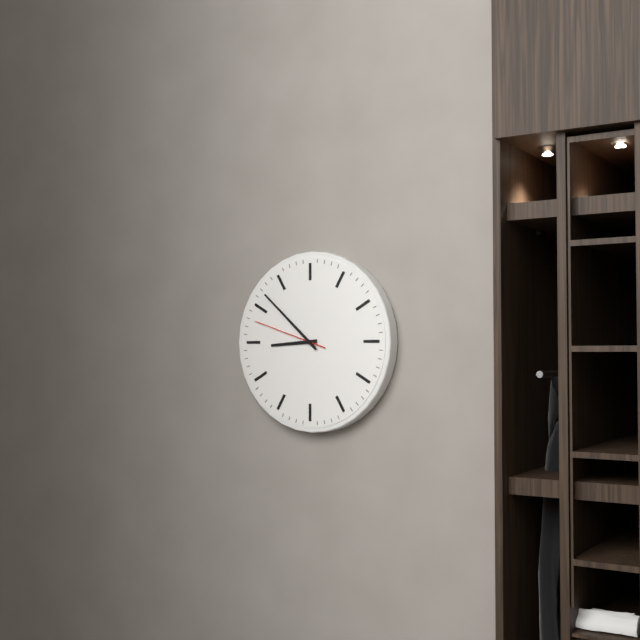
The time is 8,52,48
